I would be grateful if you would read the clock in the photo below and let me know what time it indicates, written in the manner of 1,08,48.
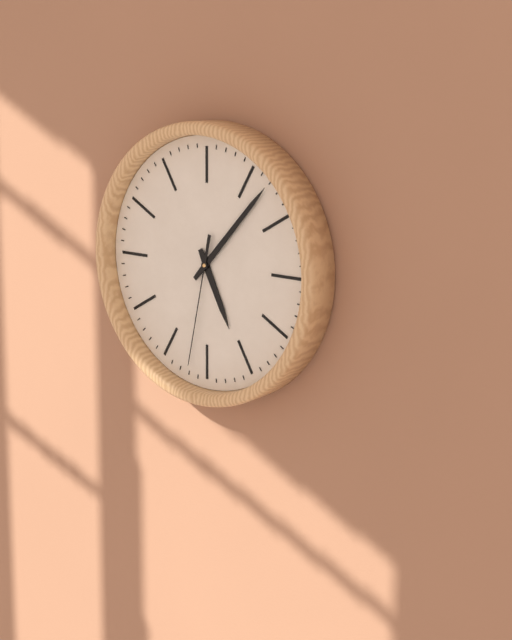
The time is 5,07,32
